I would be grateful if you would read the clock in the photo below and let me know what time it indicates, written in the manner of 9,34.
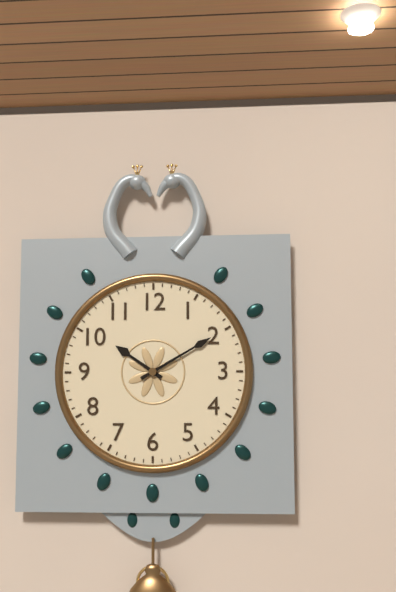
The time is 10,10
